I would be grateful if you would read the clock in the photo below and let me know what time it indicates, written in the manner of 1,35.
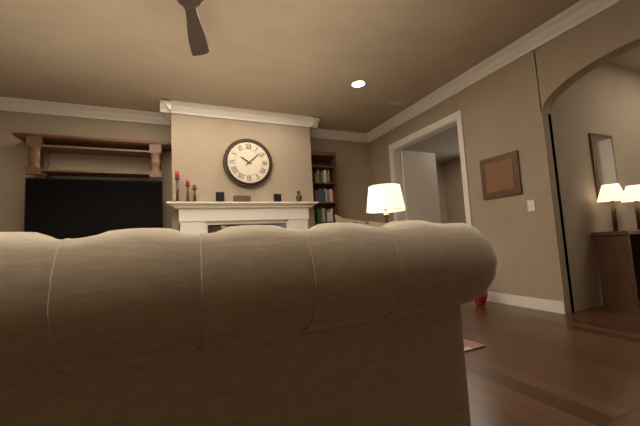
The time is 10,08
